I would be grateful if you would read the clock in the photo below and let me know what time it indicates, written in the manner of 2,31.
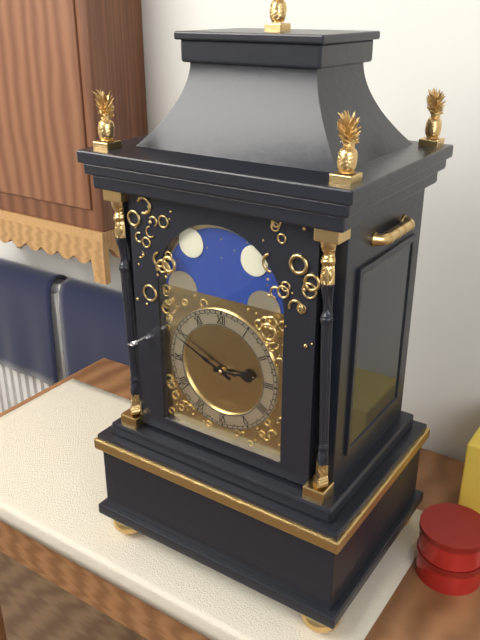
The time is 2,49
